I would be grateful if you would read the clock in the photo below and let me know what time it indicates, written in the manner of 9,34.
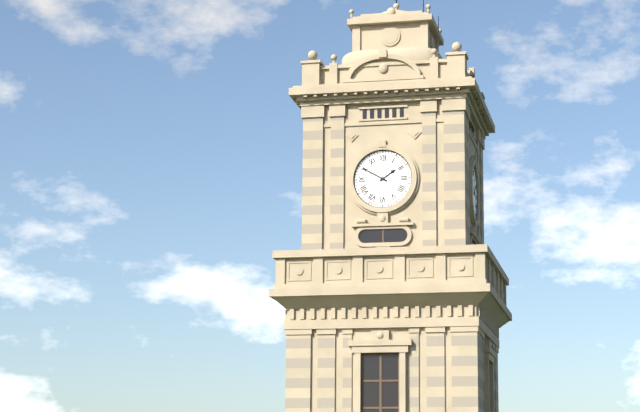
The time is 1,50
